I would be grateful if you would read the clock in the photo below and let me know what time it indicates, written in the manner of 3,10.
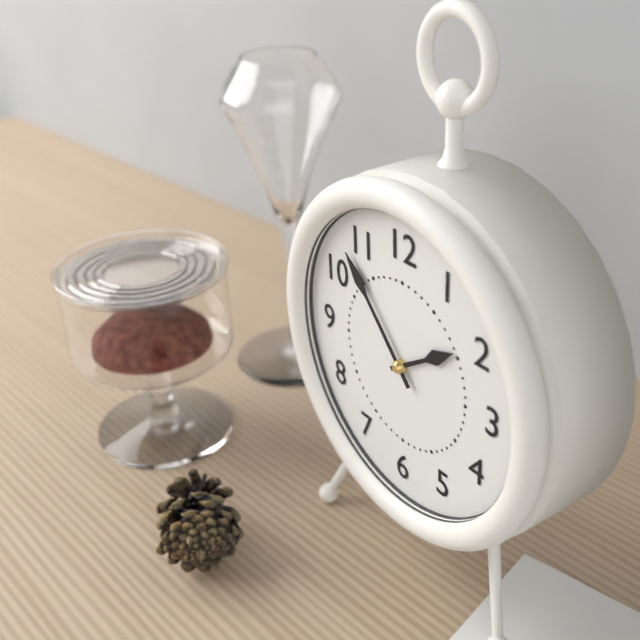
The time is 1,53
